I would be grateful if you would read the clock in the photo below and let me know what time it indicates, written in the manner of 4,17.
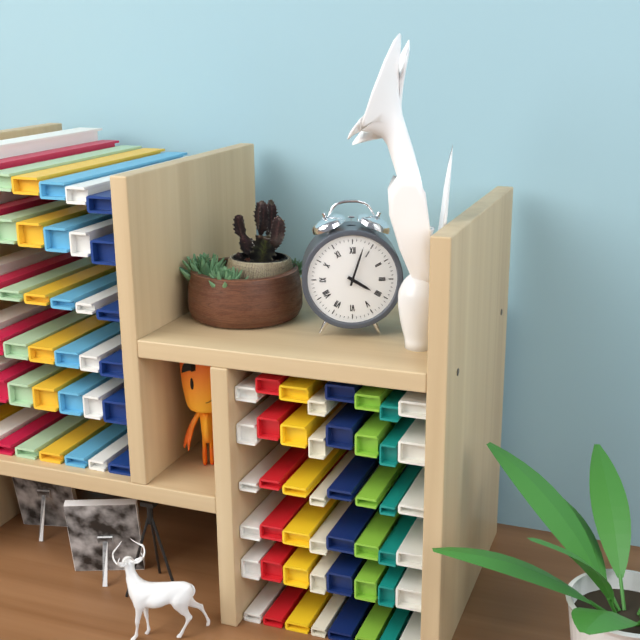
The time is 4,03
